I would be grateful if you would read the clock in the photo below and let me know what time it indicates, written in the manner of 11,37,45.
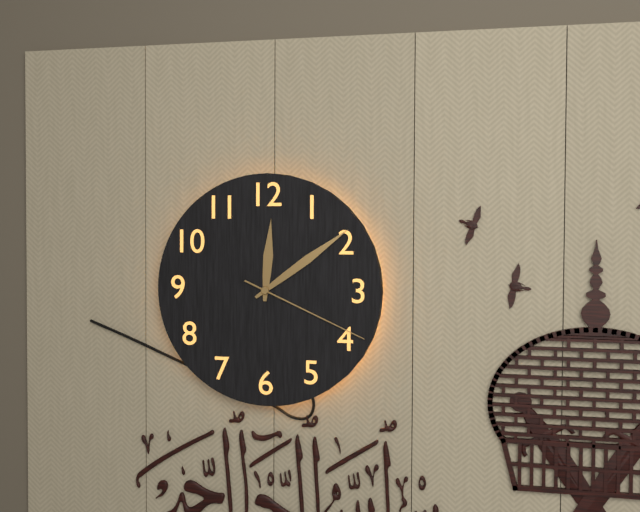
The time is 12,09,19
